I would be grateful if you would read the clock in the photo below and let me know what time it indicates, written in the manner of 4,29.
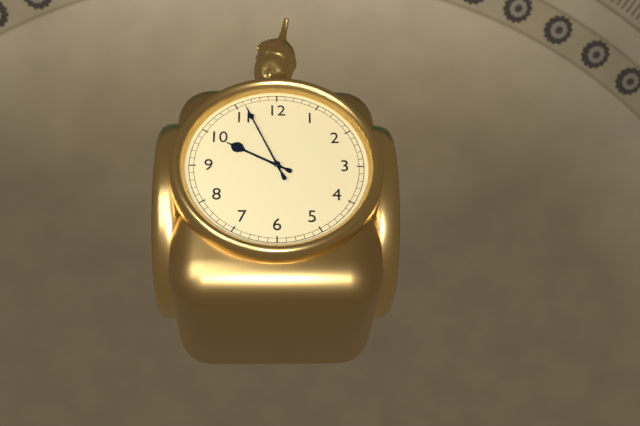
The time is 9,56
